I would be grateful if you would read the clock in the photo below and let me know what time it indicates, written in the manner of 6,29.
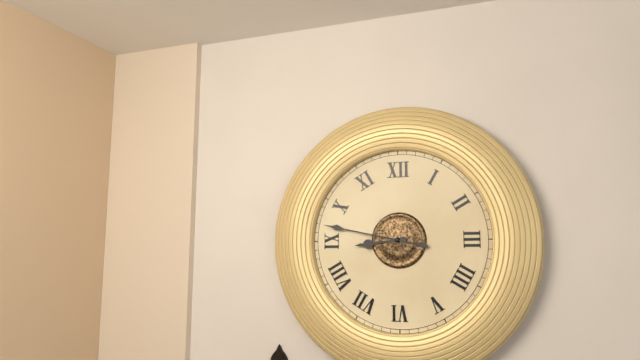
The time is 8,47
